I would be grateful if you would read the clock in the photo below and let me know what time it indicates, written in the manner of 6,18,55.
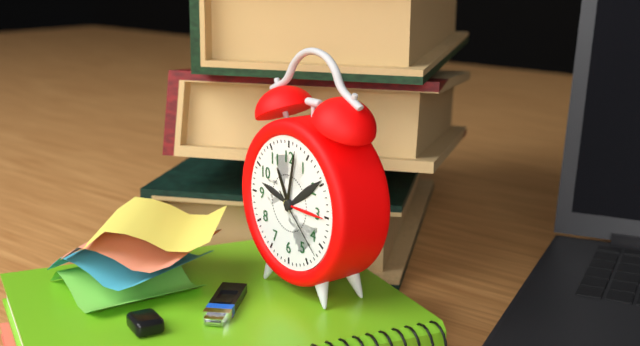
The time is 11,02,22
